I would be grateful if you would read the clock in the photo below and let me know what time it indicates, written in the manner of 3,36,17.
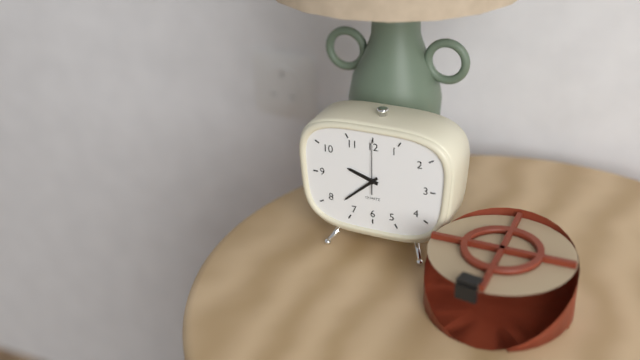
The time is 9,38,00
